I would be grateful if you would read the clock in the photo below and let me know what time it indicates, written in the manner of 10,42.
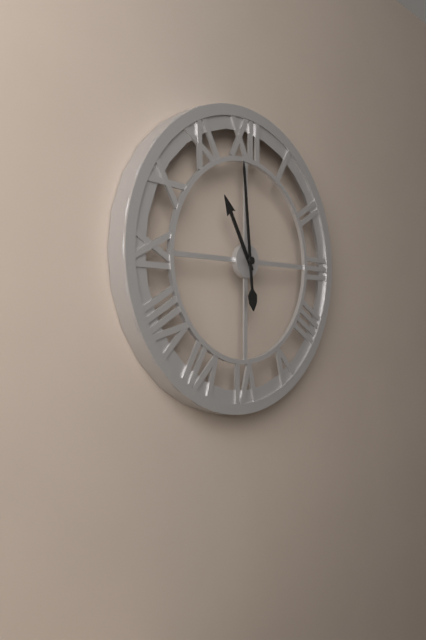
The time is 10,59
